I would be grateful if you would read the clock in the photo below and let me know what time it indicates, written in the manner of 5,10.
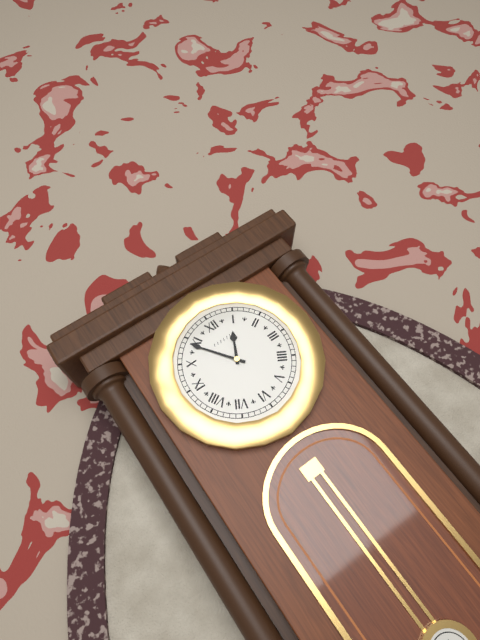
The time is 12,54
